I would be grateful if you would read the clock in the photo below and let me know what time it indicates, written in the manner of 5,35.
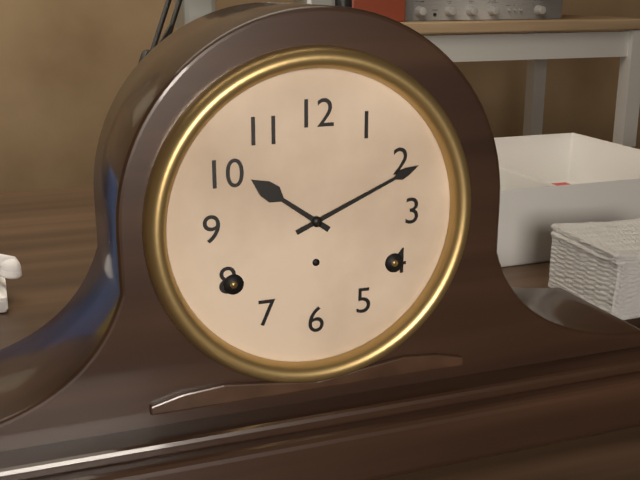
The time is 10,11
